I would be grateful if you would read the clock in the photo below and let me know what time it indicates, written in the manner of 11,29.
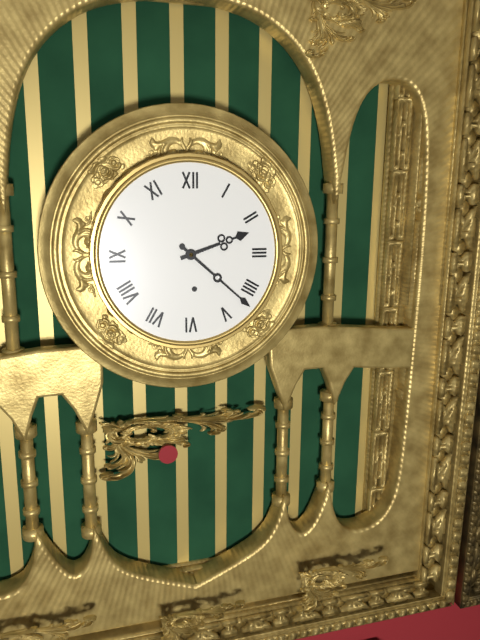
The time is 2,22
